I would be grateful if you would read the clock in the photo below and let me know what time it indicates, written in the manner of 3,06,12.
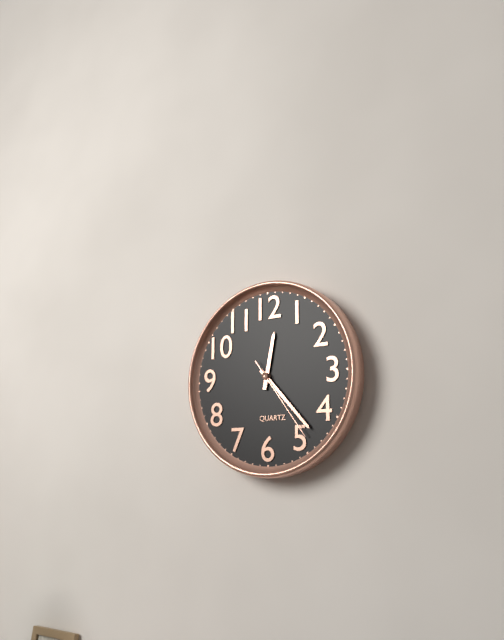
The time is 12,23,24
